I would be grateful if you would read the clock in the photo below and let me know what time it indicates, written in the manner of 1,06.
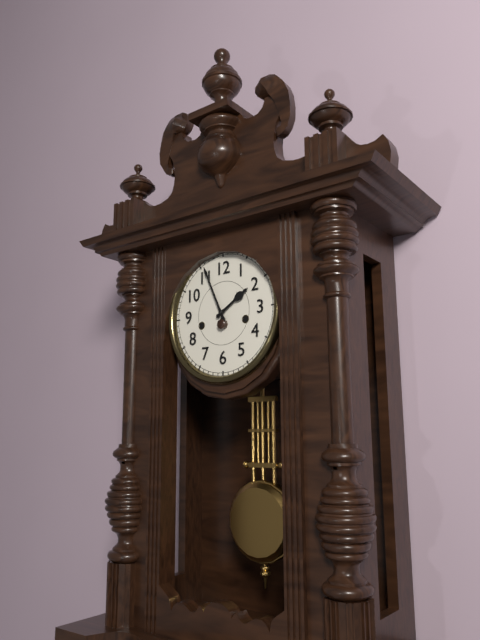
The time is 1,56
